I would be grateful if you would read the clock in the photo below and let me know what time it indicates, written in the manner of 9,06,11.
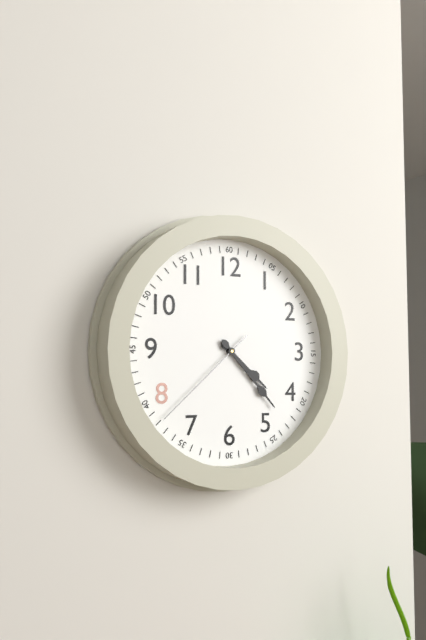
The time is 4,23,38
